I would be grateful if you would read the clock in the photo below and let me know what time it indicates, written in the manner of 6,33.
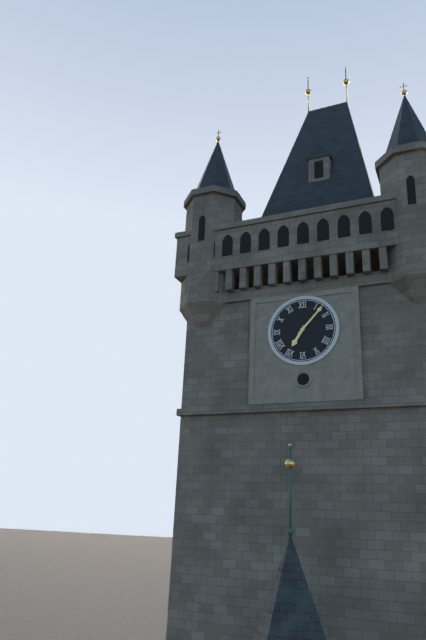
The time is 7,07
